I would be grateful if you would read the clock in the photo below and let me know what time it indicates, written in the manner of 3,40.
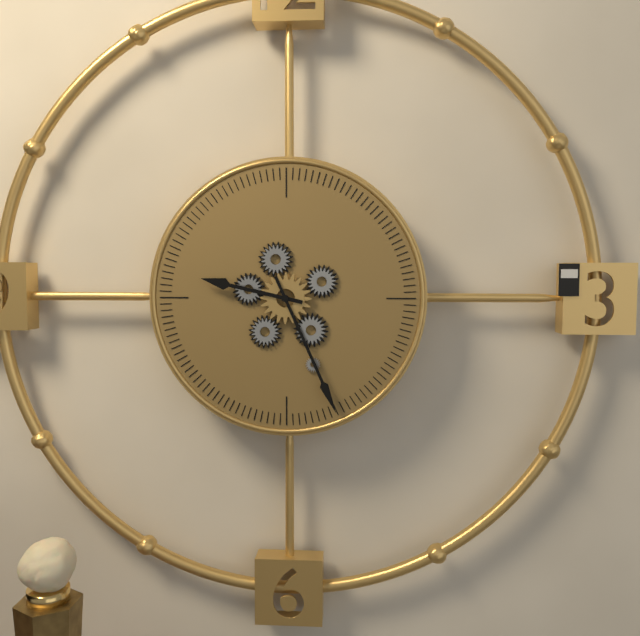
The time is 9,26
